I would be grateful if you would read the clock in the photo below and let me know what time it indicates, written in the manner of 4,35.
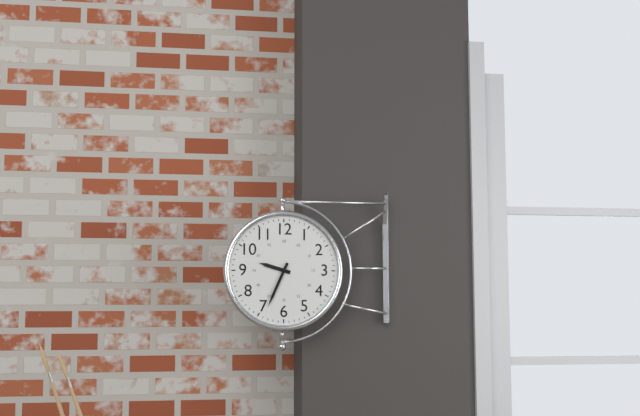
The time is 9,34
